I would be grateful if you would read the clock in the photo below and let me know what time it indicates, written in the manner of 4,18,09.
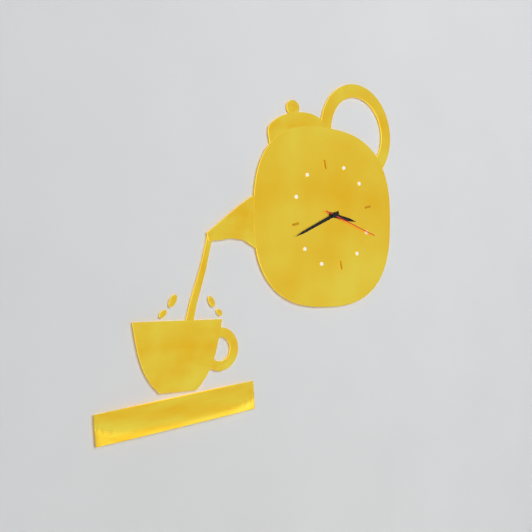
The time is 3,43,20
